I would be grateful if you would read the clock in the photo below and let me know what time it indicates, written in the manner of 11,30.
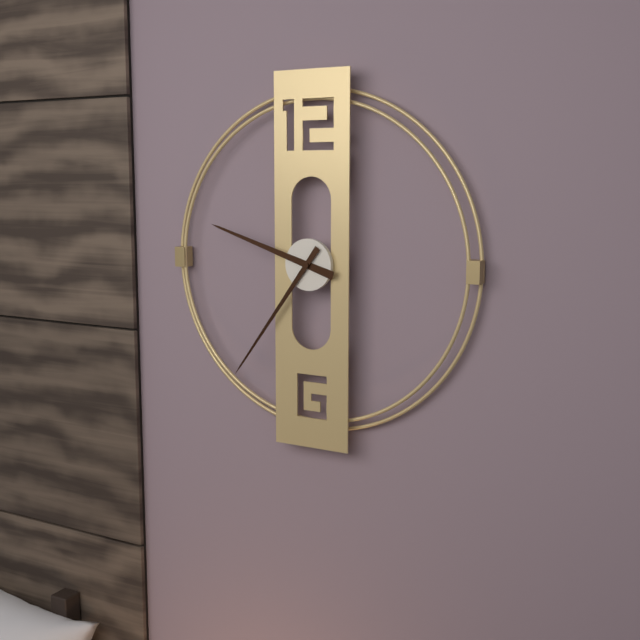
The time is 9,36
